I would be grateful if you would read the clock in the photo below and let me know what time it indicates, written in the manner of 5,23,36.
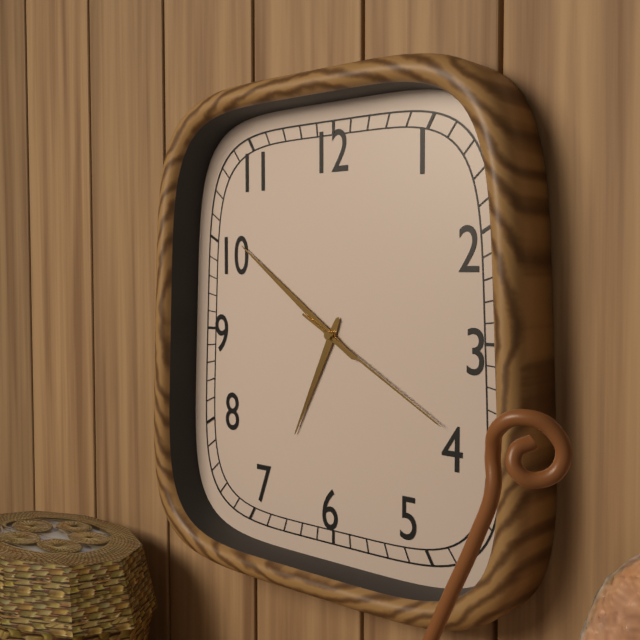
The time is 6,51,20
